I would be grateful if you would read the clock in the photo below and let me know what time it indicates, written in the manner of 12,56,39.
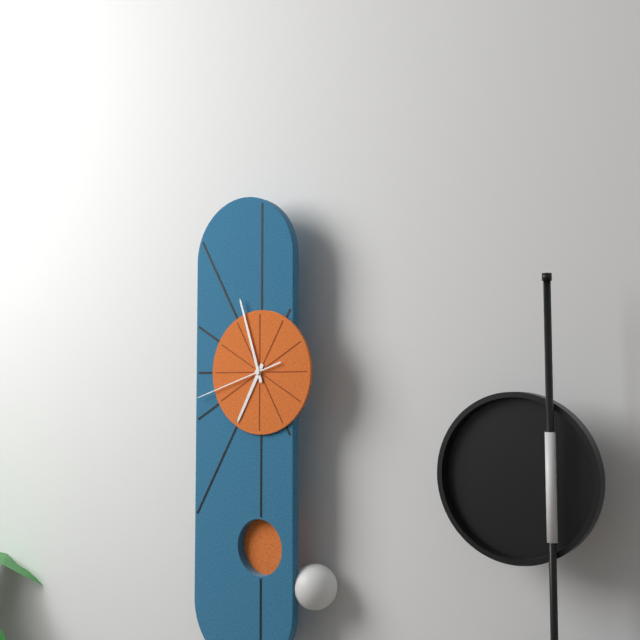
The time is 6,57,42
